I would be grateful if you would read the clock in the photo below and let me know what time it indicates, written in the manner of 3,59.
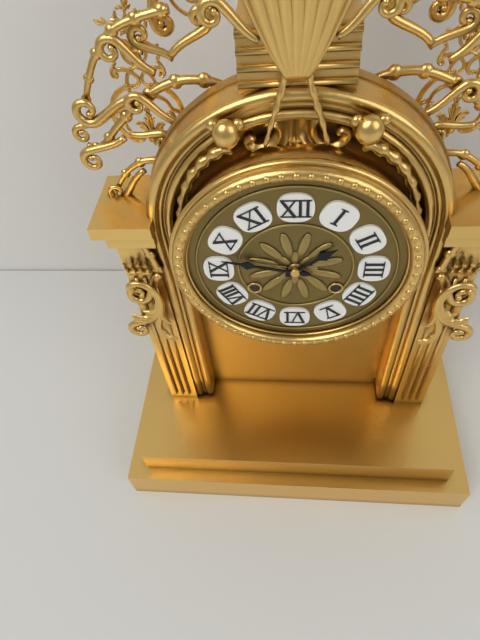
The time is 1,47
